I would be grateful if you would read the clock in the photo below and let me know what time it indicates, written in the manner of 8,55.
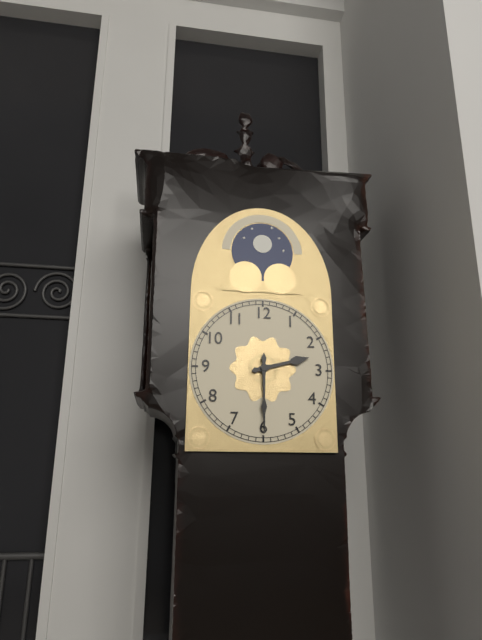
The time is 2,30
